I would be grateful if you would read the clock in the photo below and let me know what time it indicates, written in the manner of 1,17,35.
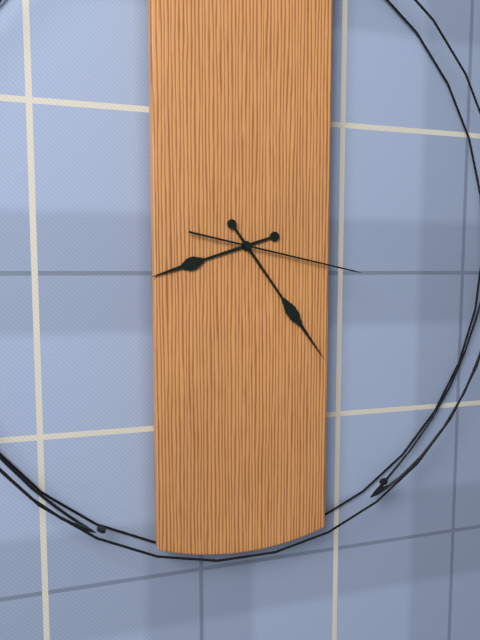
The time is 8,24,17
